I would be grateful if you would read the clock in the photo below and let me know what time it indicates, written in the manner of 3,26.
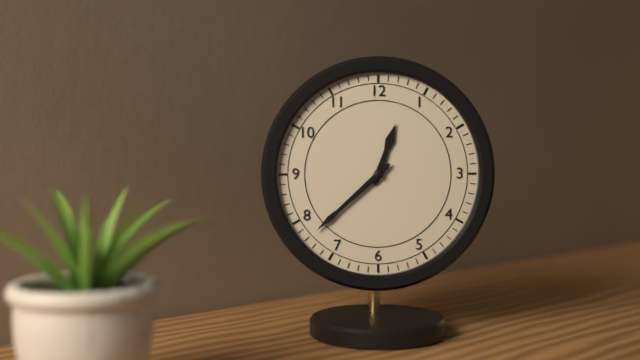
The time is 12,38
